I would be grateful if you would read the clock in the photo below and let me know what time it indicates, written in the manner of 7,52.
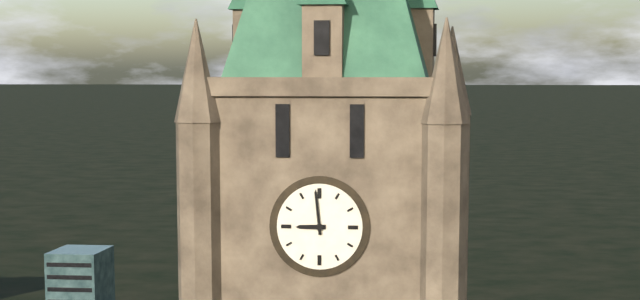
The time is 8,59
